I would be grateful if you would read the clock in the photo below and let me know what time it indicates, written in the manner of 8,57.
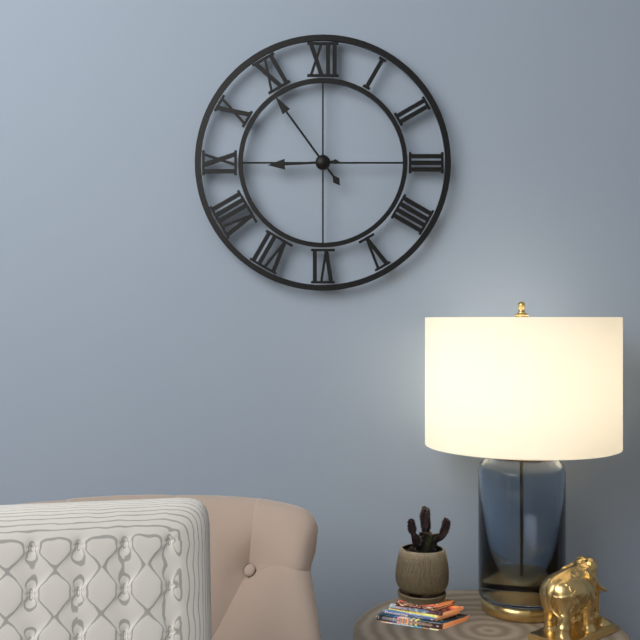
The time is 8,54
